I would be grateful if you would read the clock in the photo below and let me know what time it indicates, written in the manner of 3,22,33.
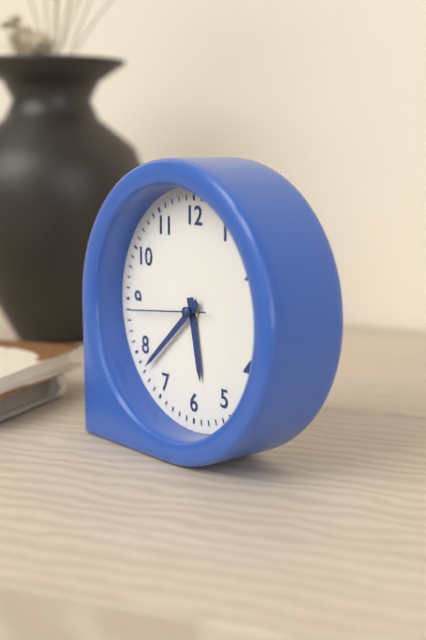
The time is 5,38,44
